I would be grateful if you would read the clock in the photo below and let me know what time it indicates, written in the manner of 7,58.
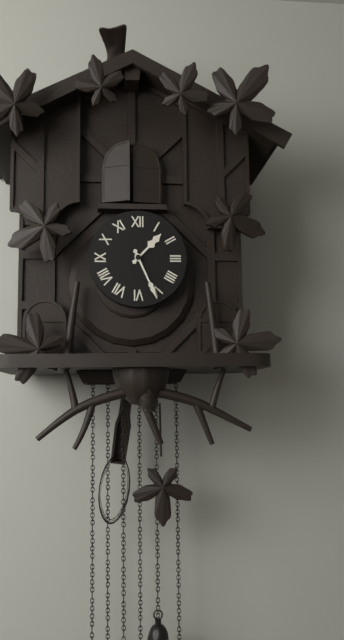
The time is 1,26
